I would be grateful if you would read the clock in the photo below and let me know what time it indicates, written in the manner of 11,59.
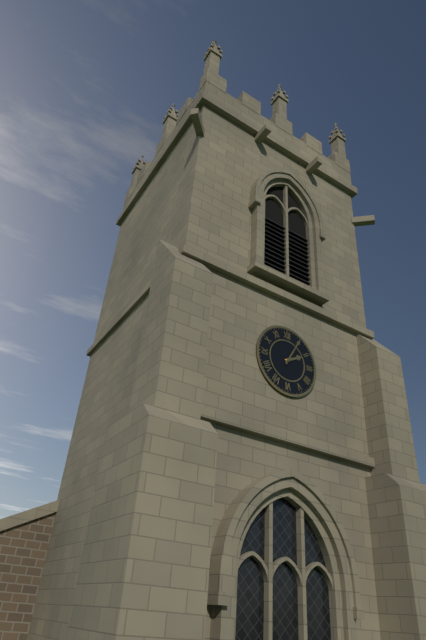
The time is 2,05
